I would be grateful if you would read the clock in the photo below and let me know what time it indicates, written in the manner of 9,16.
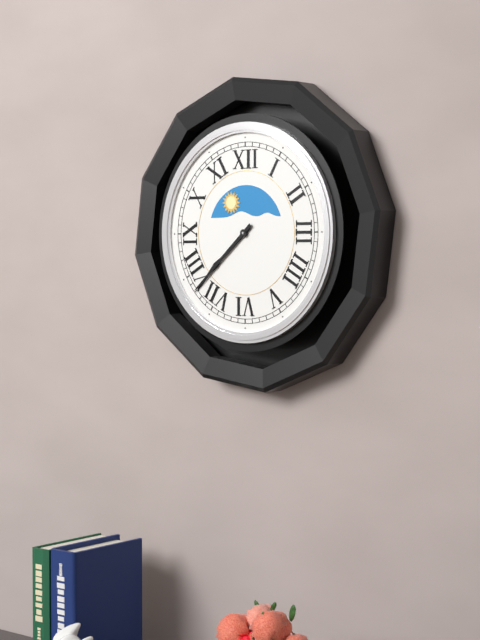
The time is 7,38
